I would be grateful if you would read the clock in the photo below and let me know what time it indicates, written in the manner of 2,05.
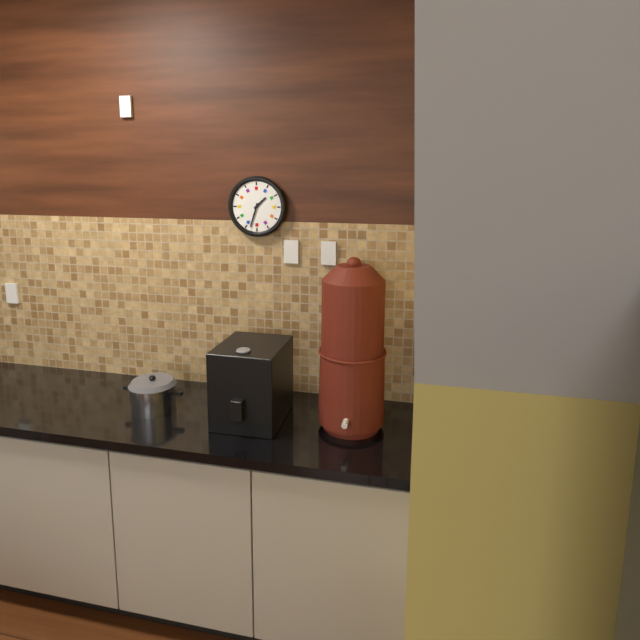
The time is 1,33
